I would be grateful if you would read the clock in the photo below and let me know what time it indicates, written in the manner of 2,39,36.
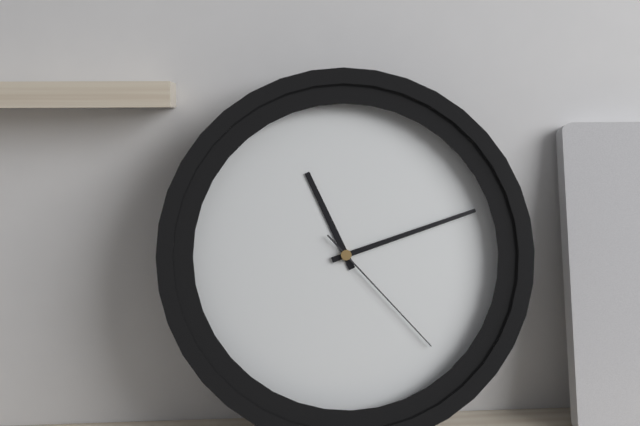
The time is 11,12,23
